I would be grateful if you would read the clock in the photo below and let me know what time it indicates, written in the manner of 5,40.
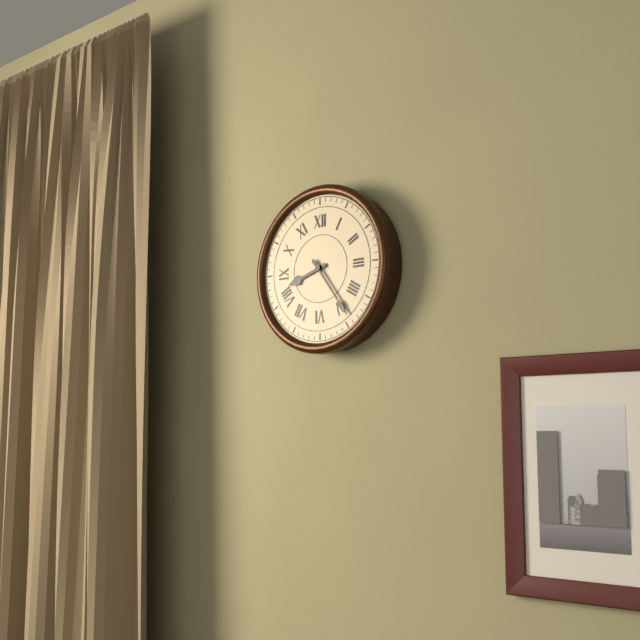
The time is 8,24
